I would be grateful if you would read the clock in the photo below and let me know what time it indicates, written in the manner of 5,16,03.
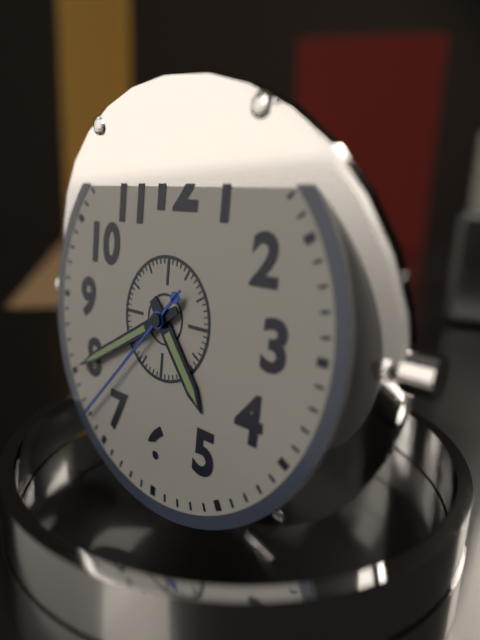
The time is 4,40,37
